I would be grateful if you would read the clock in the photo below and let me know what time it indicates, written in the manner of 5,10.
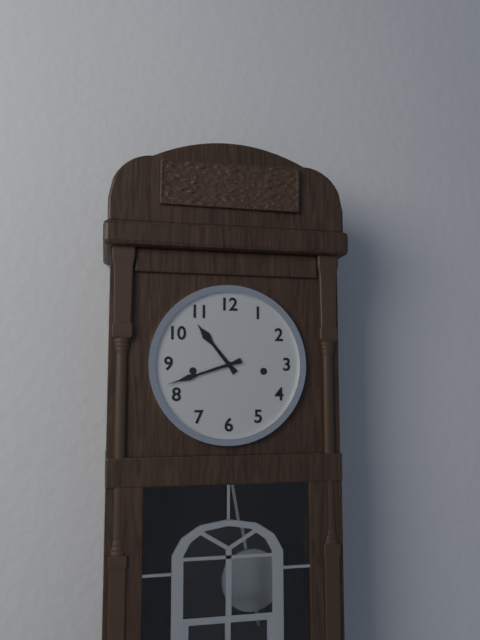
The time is 10,42
